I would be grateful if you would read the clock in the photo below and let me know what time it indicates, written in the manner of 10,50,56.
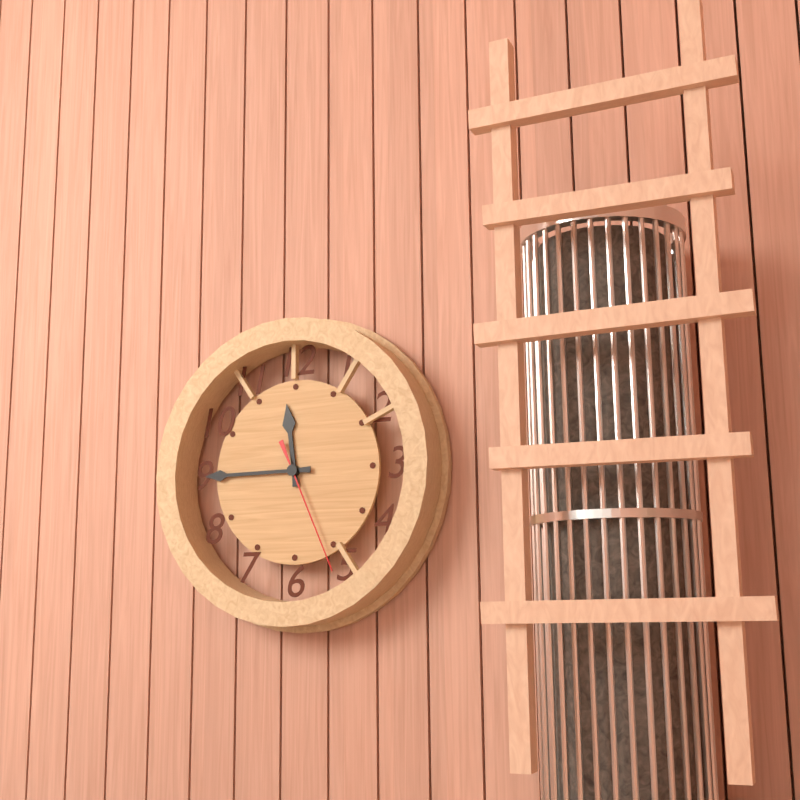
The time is 11,45,26
